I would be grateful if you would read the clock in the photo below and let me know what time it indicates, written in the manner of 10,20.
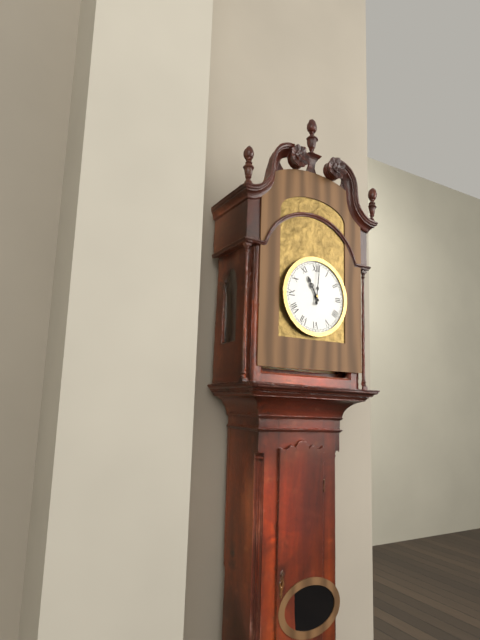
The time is 11,01
